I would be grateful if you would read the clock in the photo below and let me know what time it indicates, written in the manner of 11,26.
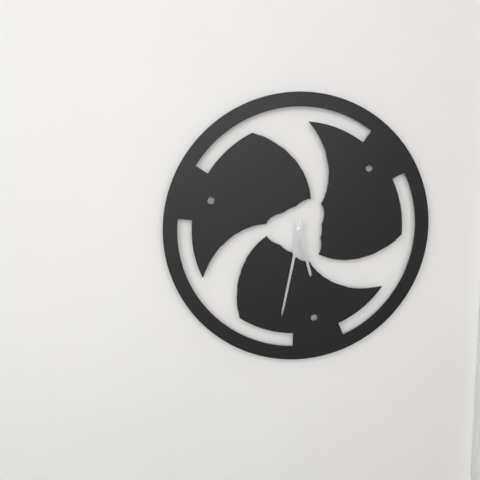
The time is 5,32
